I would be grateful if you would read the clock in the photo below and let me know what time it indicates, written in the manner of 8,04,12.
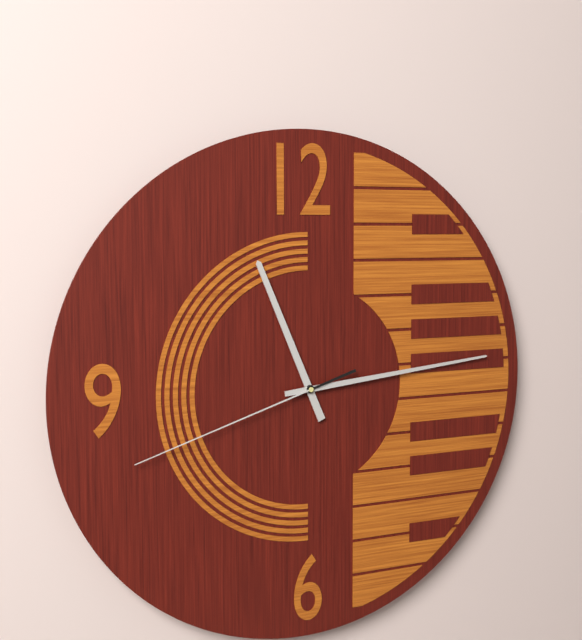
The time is 11,14,42
